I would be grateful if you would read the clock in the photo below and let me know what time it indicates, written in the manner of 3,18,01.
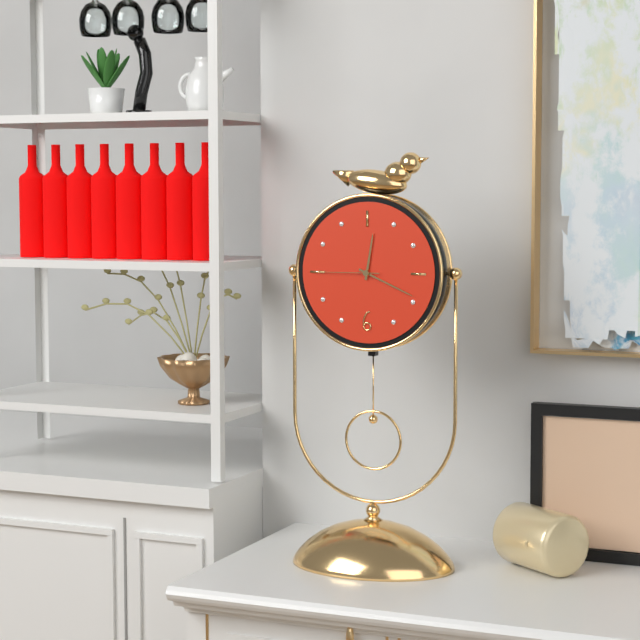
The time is 12,19,45
